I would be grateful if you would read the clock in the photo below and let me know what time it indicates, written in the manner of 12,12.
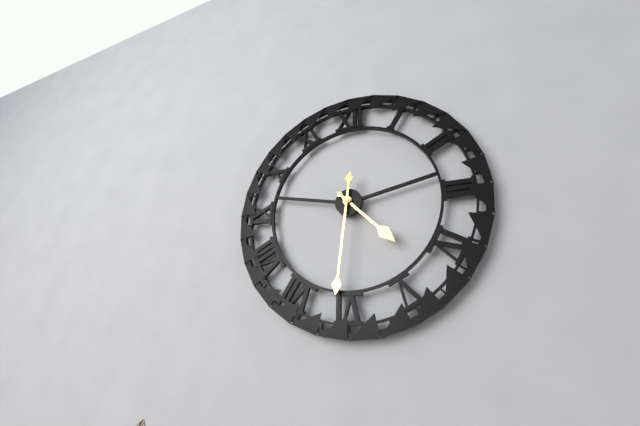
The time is 4,31
